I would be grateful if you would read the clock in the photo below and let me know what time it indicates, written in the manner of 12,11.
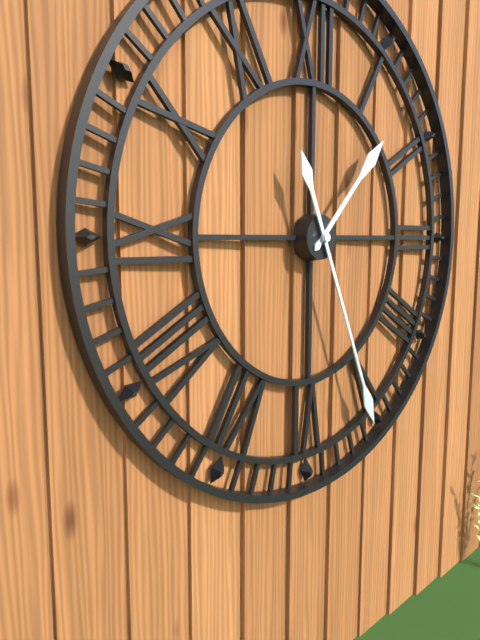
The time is 1,26
